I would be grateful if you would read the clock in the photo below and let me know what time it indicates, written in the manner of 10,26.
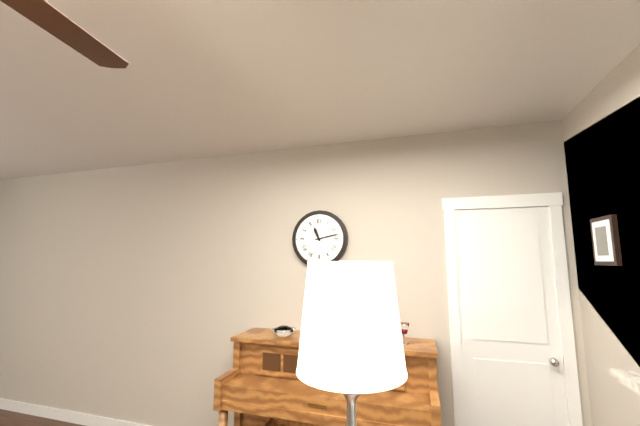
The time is 11,13
